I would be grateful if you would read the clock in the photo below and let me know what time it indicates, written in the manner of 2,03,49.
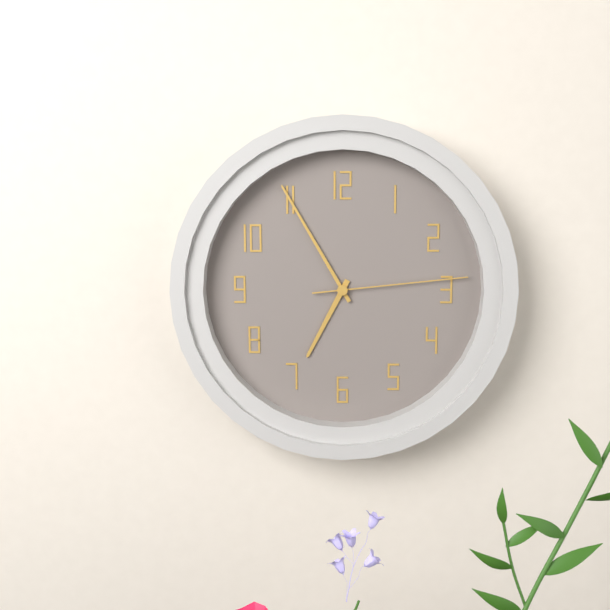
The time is 6,55,14
